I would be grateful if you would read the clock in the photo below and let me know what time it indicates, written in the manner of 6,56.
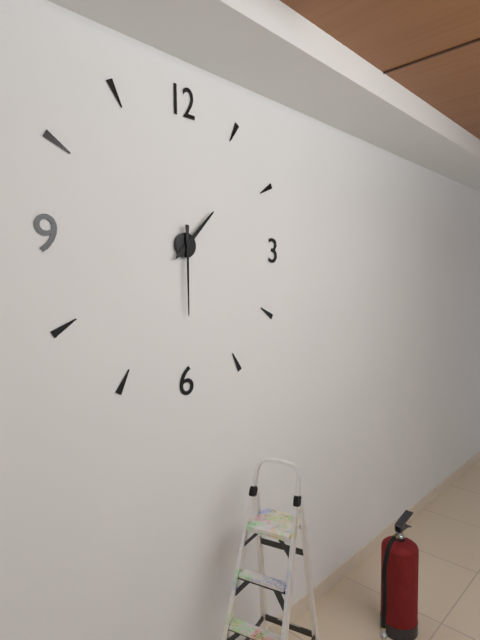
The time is 1,30
